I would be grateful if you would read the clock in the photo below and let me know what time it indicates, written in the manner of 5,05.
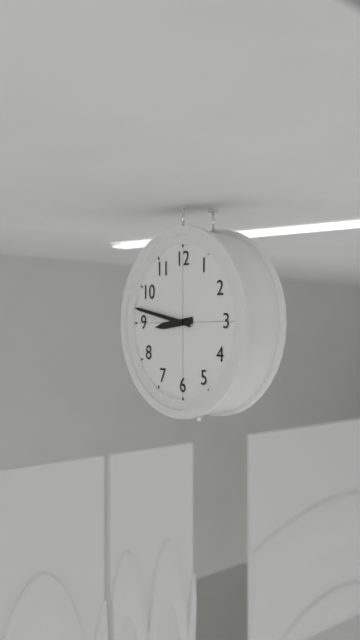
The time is 8,47
